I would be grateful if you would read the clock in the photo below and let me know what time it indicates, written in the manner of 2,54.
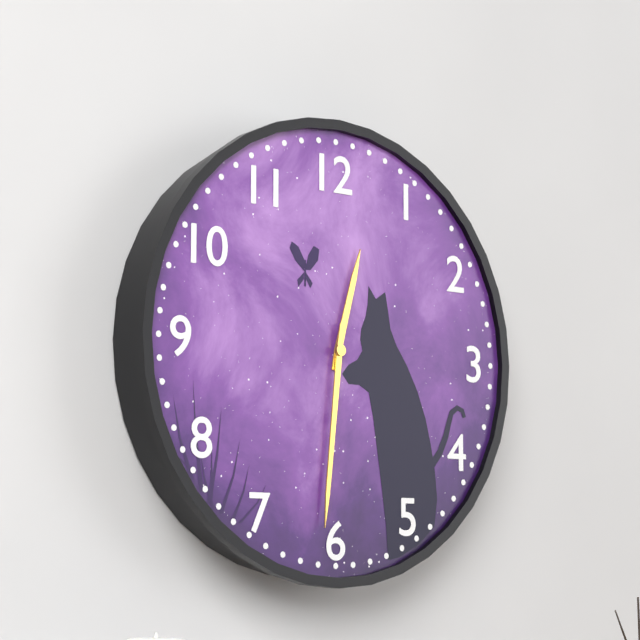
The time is 12,31
